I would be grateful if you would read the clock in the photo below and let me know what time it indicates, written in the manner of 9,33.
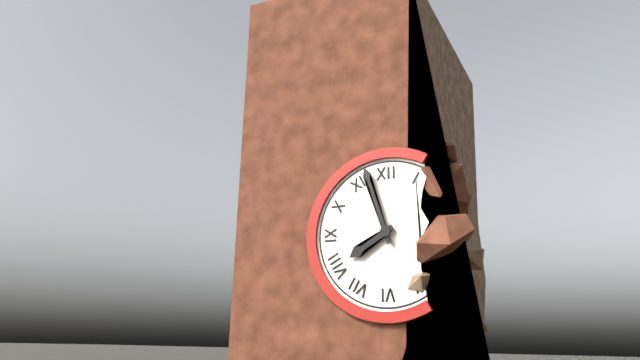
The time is 7,57
